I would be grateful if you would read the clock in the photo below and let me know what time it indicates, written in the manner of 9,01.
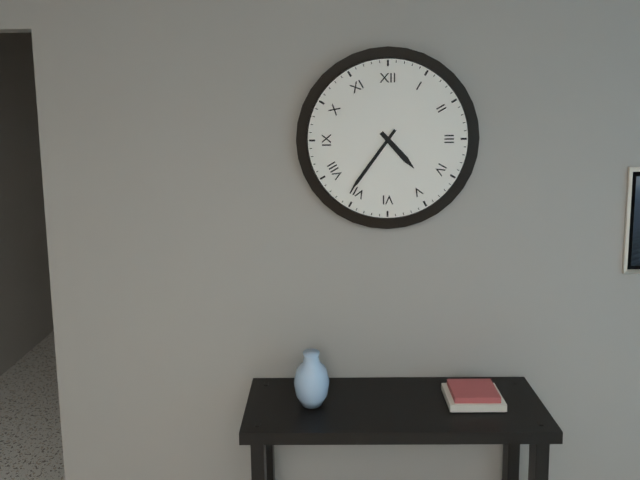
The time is 4,36
